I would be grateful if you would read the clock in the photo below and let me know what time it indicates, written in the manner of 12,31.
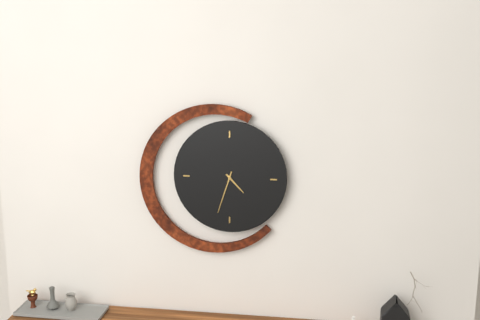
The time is 4,33
